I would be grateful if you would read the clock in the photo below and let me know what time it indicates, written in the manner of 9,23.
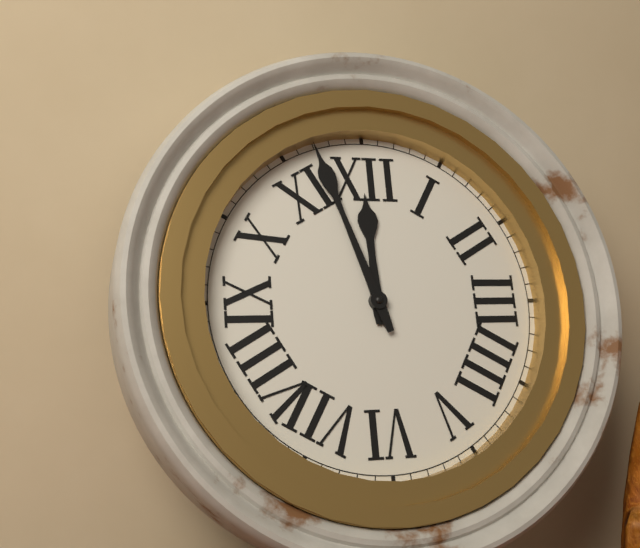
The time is 11,57
